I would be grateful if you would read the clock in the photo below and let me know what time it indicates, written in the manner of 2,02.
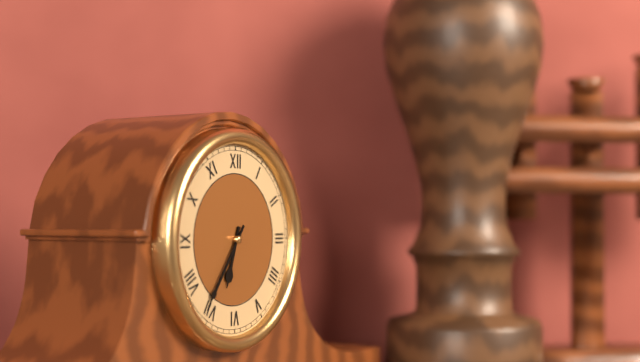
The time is 6,36
